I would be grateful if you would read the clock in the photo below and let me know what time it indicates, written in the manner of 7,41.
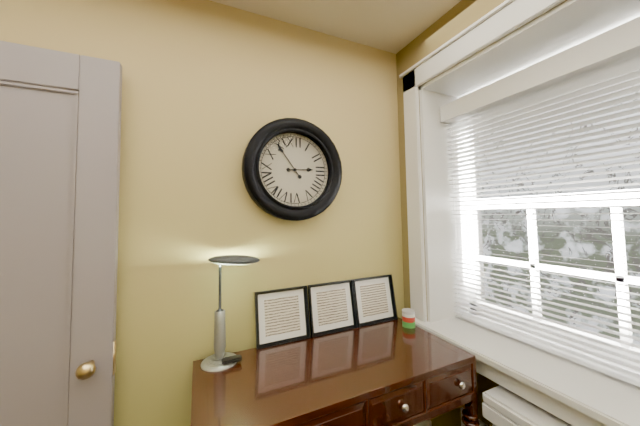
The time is 2,54
